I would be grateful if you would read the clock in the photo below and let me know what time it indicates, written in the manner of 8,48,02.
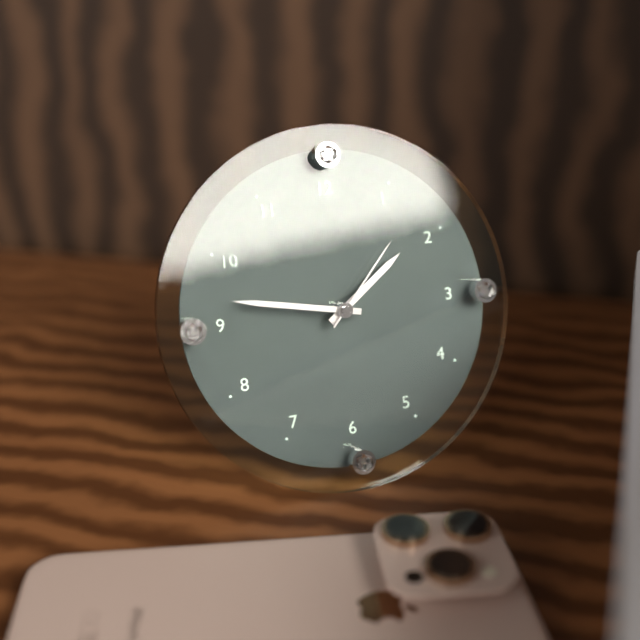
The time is 1,47,07
